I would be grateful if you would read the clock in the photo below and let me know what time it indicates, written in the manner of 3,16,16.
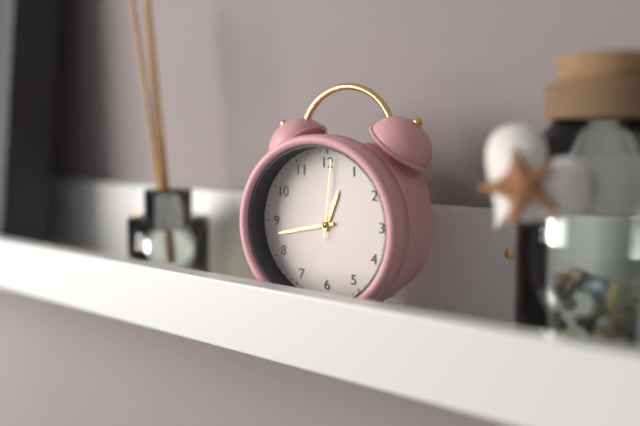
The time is 12,43,01
